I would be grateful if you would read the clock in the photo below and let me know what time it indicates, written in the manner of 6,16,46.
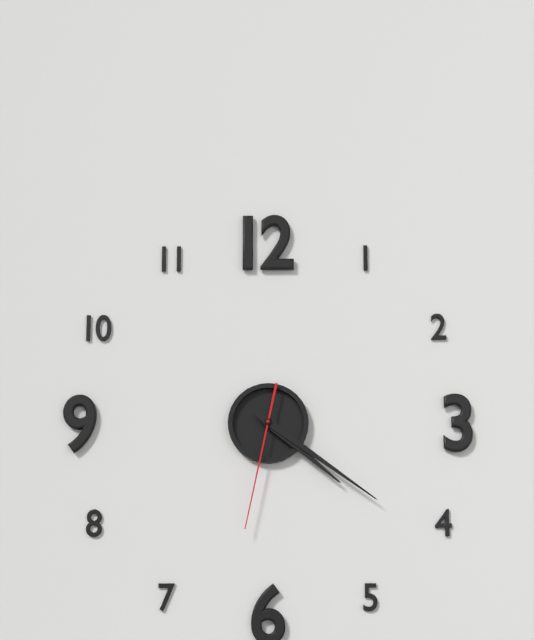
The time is 4,21,32
